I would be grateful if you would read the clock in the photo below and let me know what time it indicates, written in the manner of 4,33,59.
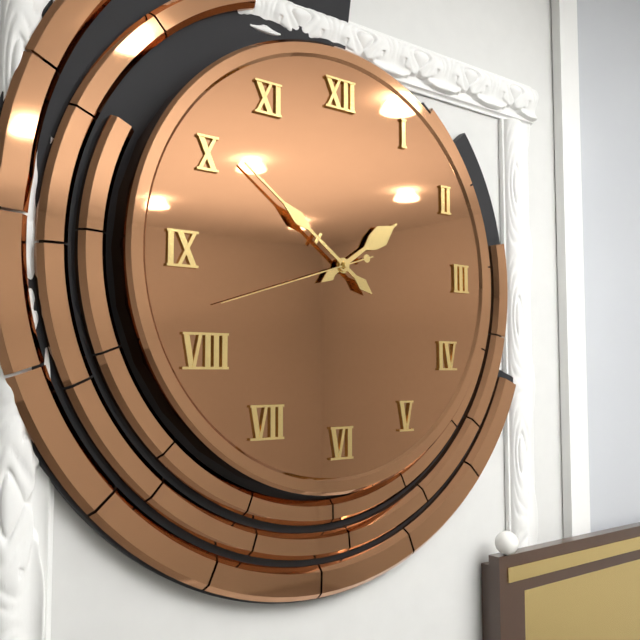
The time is 1,51,42
